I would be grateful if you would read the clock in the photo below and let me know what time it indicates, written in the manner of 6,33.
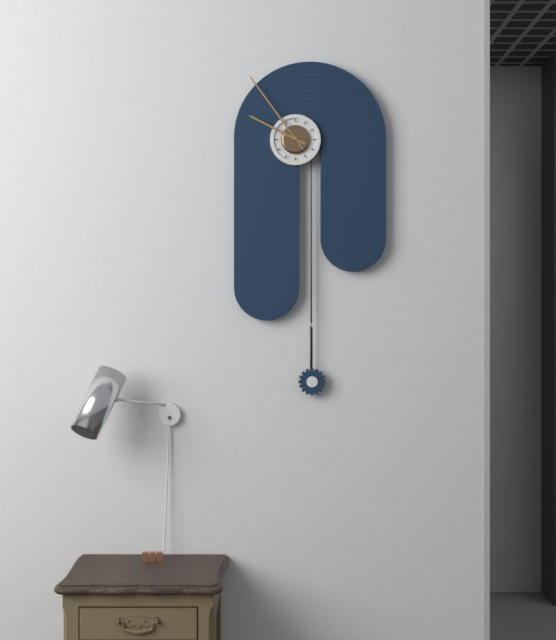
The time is 9,54
